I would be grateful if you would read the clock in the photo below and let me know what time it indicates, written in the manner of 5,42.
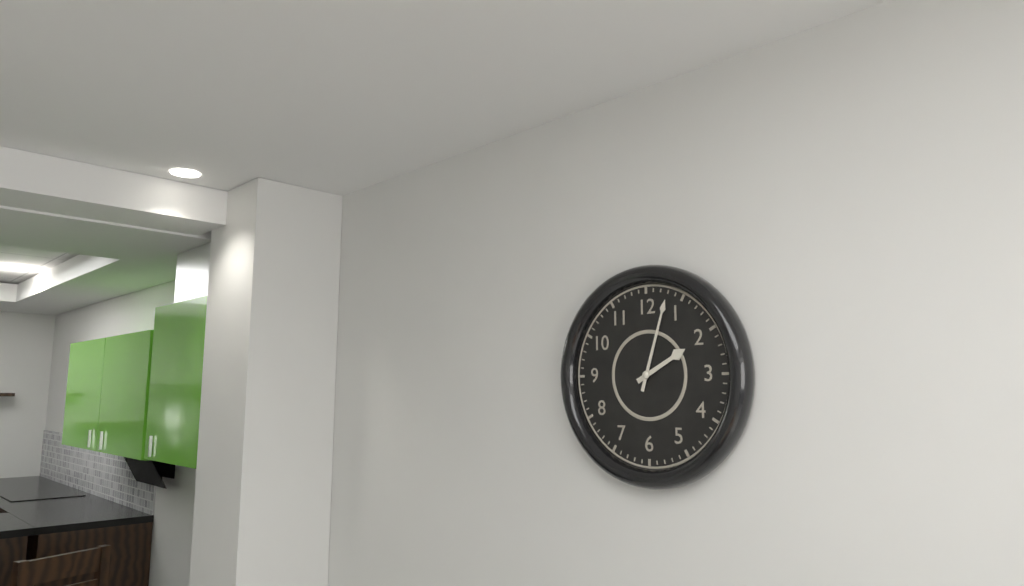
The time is 2,03
